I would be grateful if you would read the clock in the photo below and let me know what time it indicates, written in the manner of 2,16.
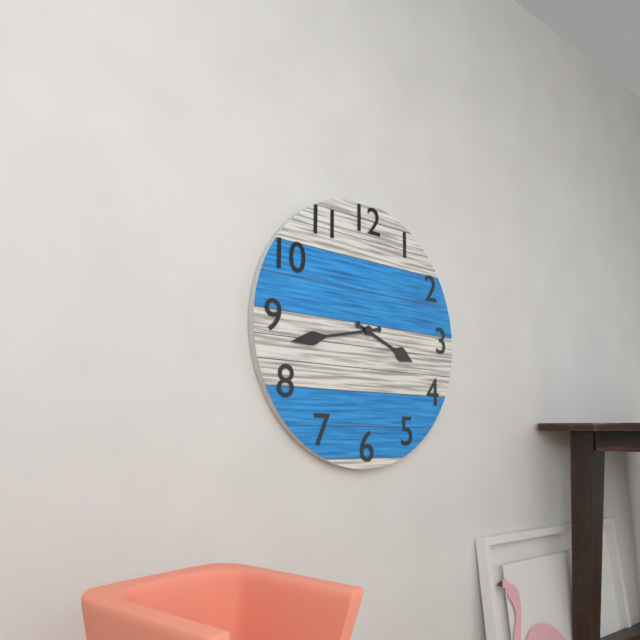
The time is 3,43
